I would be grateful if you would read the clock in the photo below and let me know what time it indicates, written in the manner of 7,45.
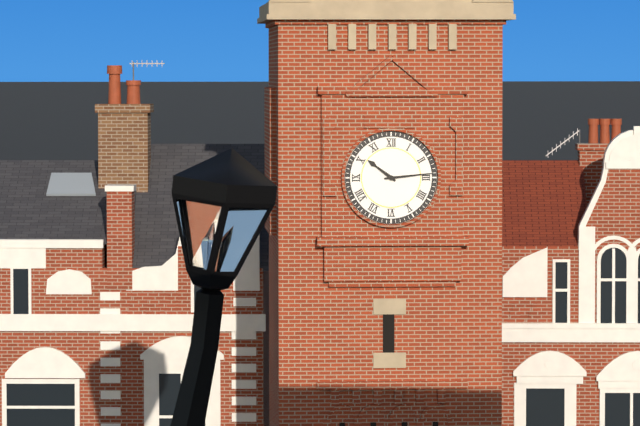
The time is 10,14
